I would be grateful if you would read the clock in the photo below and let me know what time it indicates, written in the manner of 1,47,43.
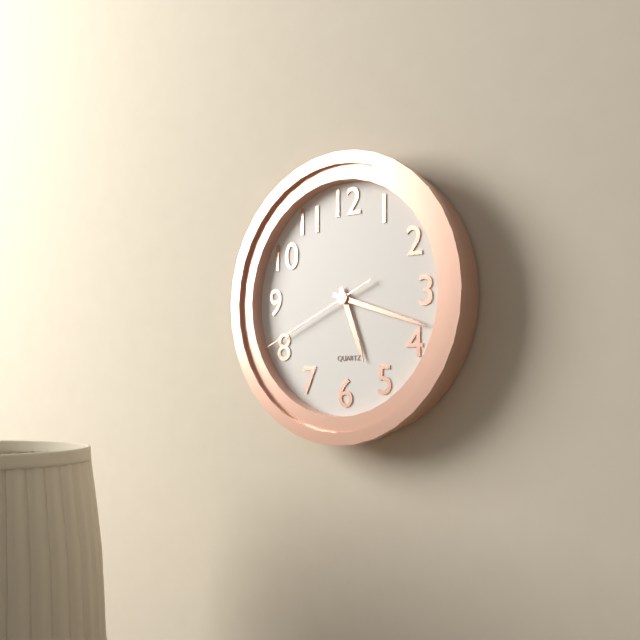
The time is 5,18,41
